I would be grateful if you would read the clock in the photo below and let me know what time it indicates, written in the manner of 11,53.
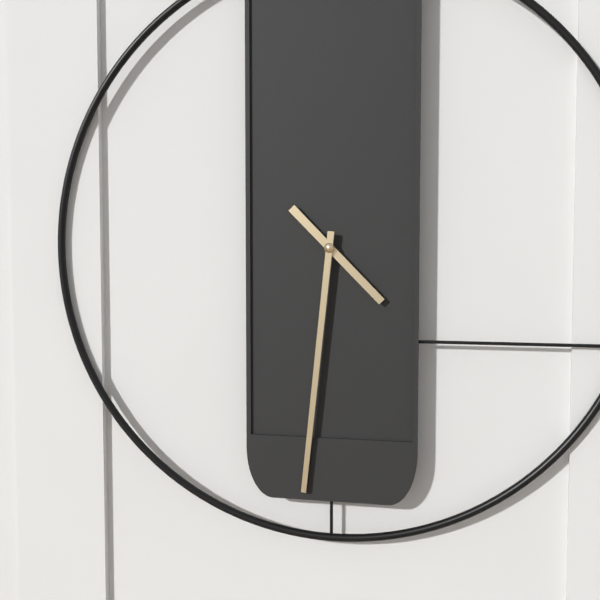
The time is 4,31
